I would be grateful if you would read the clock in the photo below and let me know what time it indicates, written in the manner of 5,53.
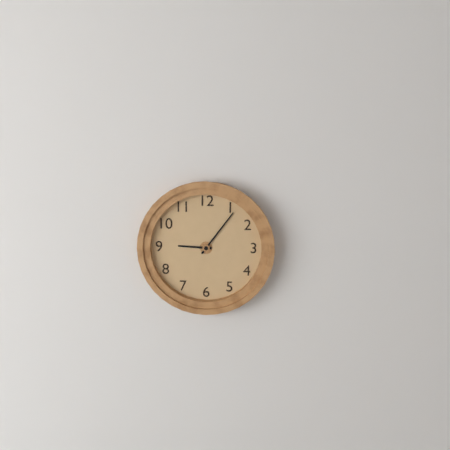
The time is 9,06
